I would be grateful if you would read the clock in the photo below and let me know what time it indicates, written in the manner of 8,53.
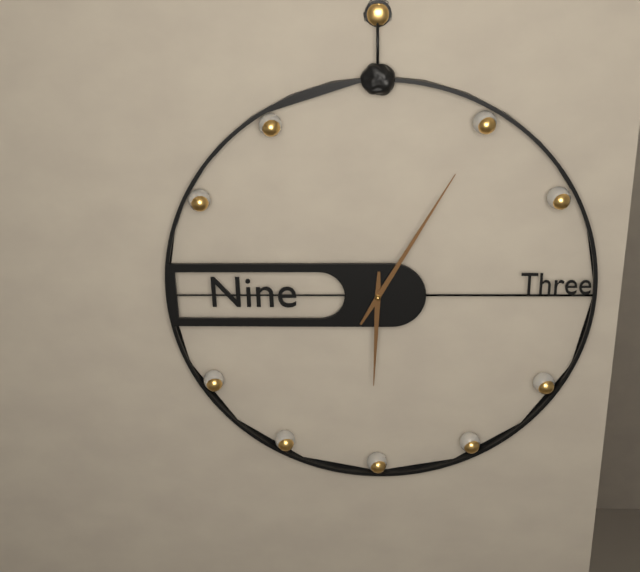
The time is 6,05
